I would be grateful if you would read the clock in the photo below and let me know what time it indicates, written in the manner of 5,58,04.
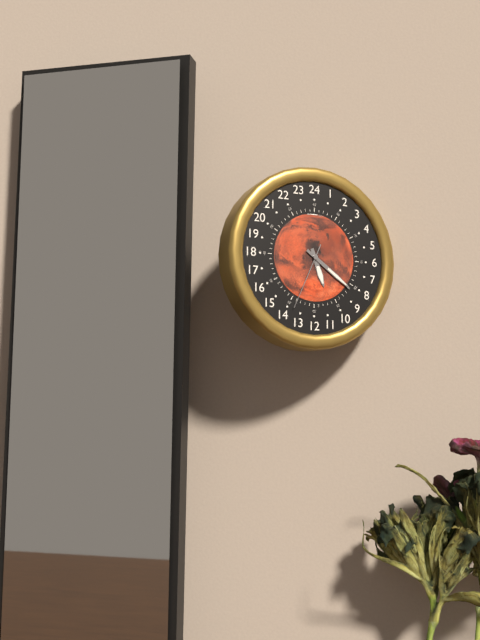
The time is 5,21,34
